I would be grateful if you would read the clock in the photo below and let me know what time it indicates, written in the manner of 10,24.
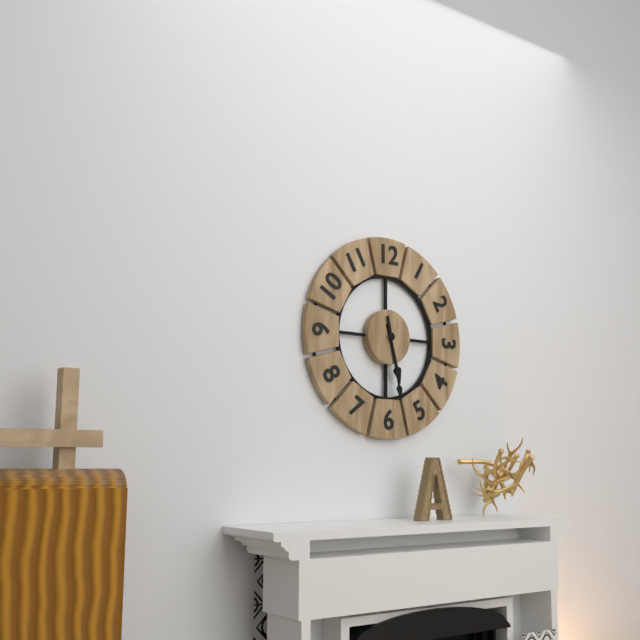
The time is 5,28
